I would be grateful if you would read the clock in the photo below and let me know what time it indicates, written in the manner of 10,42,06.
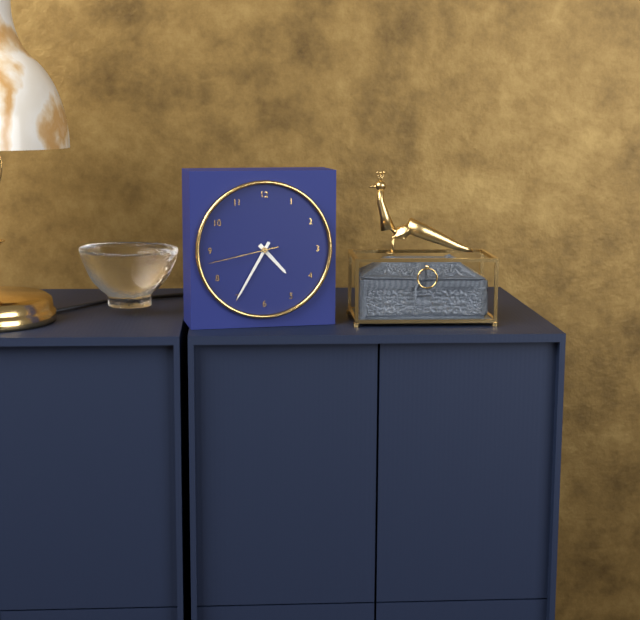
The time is 4,35,43
